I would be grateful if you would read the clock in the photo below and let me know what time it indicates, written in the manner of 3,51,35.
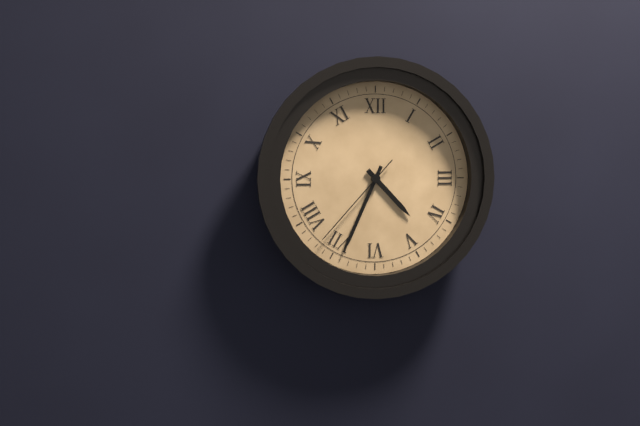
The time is 4,34,37
